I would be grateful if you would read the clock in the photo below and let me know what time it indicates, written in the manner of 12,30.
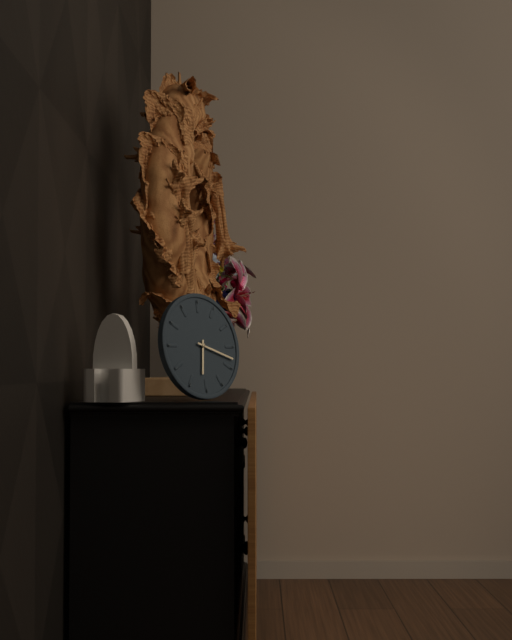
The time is 6,18
